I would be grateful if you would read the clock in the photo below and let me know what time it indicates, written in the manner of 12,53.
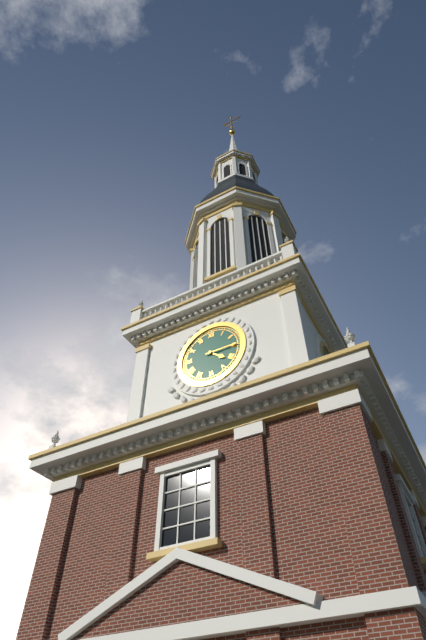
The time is 4,15
